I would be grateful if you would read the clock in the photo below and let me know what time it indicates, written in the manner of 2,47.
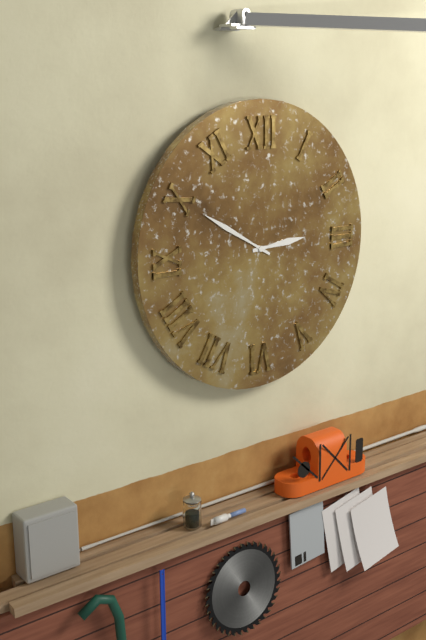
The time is 2,50
